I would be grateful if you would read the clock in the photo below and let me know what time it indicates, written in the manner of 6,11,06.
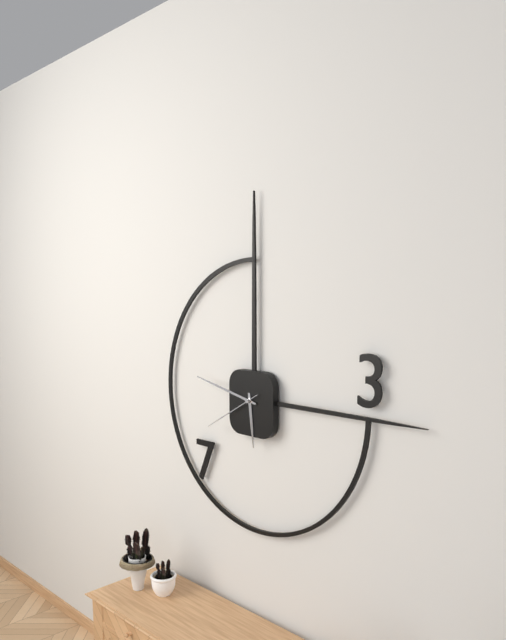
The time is 5,47,40
